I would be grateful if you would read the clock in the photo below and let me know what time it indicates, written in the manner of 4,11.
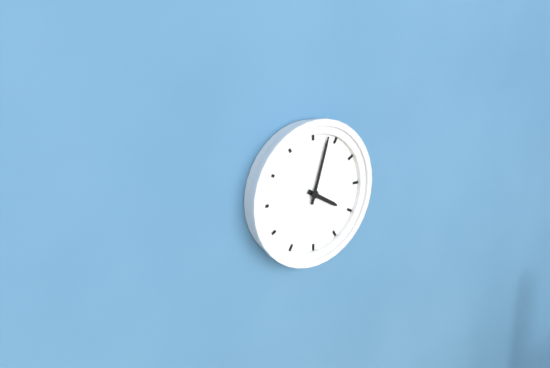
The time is 4,03
